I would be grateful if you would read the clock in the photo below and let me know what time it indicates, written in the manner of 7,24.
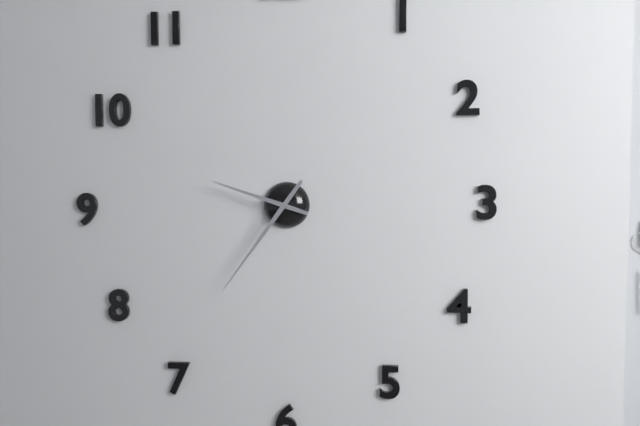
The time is 9,36
